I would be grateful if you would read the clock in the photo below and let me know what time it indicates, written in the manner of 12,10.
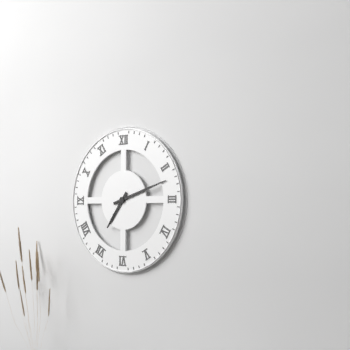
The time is 7,12
